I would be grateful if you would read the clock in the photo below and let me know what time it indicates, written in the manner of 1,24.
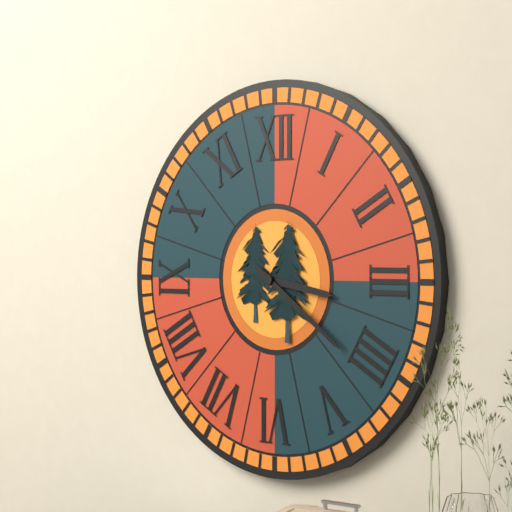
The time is 3,21
